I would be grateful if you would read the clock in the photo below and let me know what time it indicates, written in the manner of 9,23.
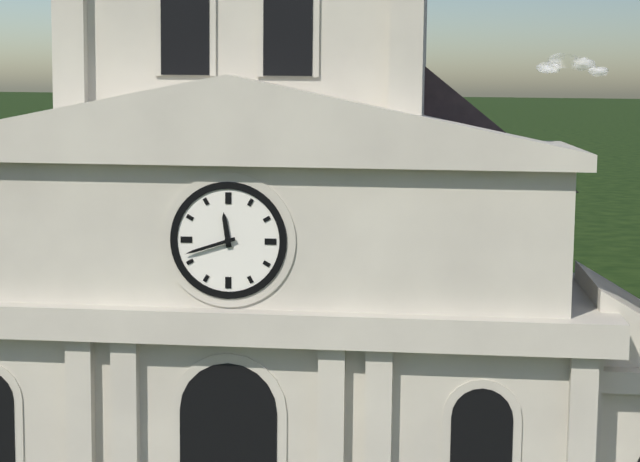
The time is 11,42
